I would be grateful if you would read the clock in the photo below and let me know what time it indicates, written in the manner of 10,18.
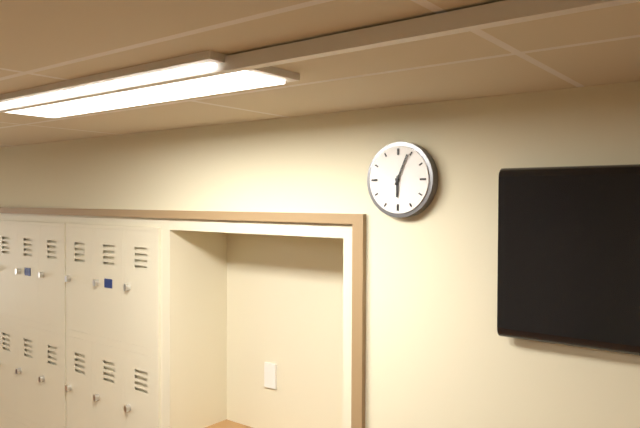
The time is 6,04
